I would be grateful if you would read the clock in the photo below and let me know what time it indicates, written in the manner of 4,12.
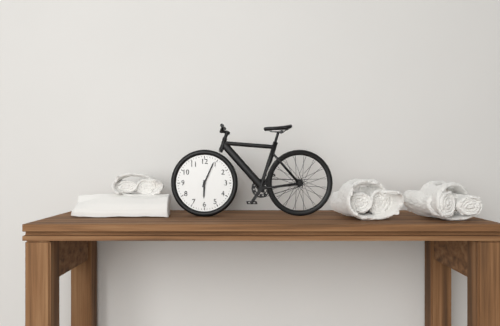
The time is 6,04
